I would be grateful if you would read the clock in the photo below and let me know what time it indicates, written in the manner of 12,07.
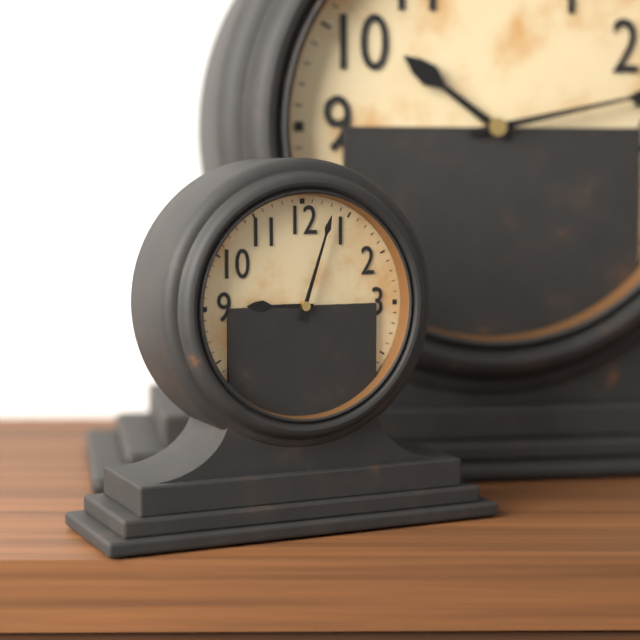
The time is 9,03
